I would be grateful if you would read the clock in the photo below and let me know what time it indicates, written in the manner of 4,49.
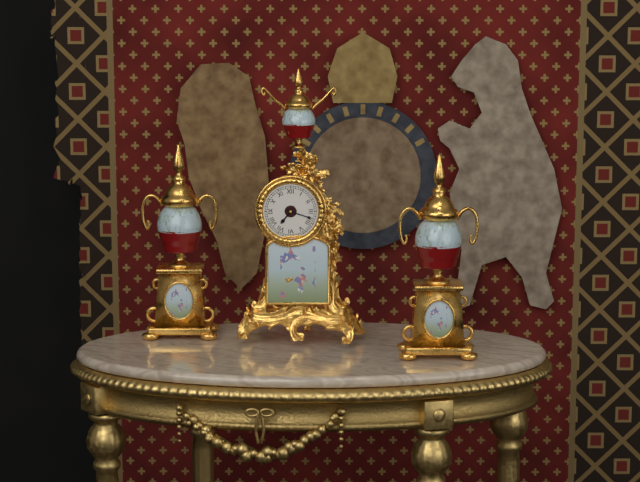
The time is 7,18
